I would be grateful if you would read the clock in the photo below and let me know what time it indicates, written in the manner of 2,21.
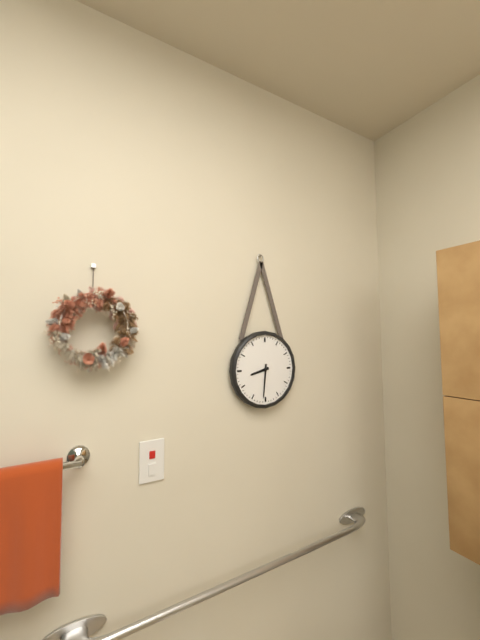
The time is 8,31
